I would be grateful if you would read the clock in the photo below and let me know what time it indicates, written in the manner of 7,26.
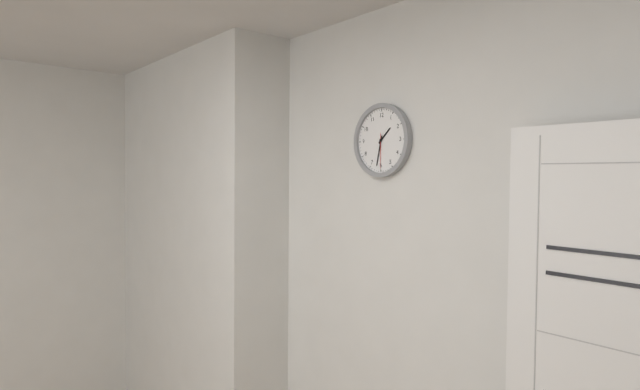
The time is 1,32
